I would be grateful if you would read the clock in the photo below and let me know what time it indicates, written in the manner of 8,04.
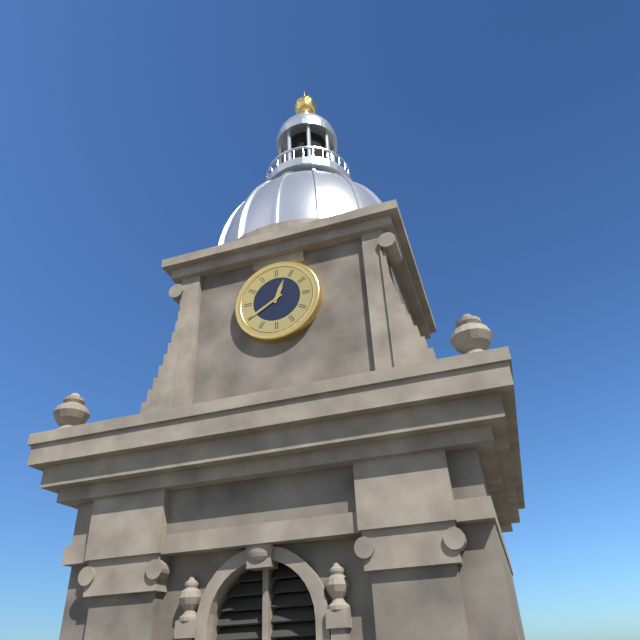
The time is 12,40
